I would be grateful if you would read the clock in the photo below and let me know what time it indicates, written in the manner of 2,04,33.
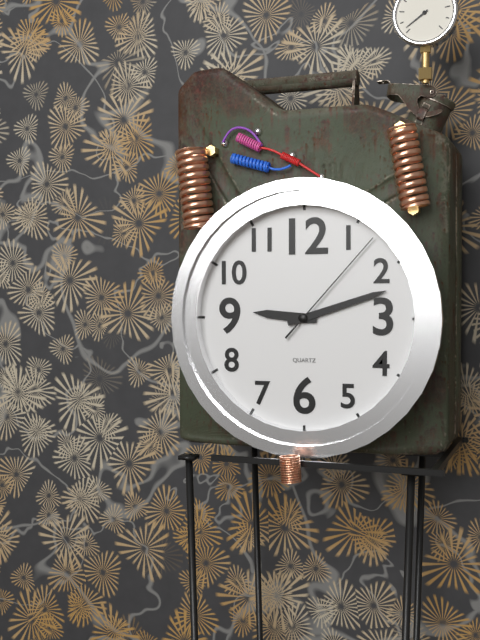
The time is 9,12,07
